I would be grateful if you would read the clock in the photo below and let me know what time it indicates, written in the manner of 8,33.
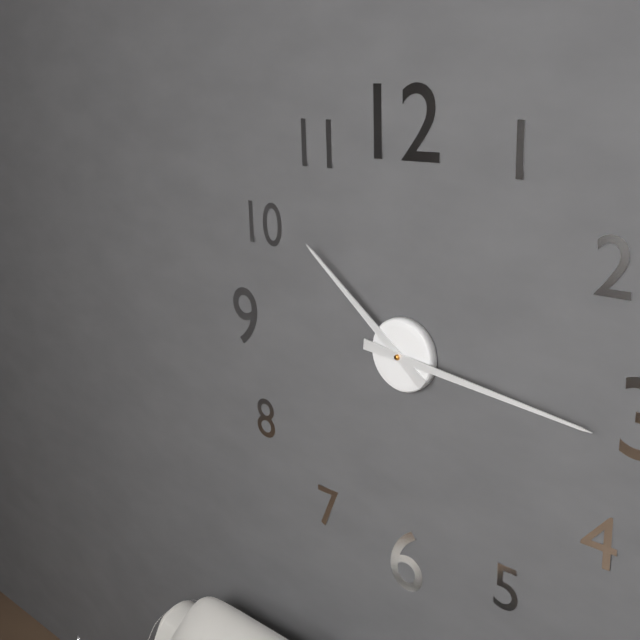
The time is 10,16
